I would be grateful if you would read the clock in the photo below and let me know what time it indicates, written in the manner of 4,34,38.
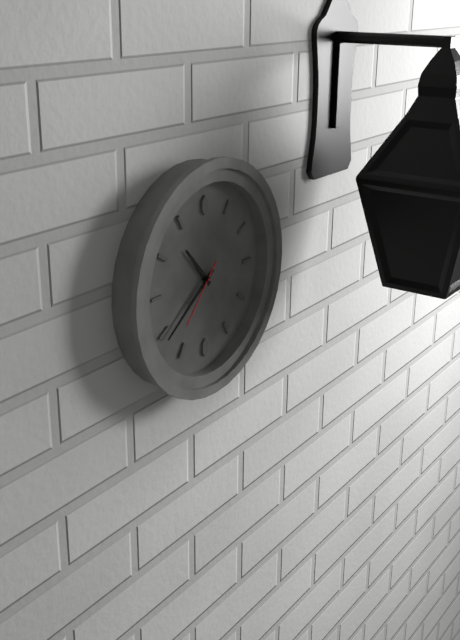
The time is 10,39,37
